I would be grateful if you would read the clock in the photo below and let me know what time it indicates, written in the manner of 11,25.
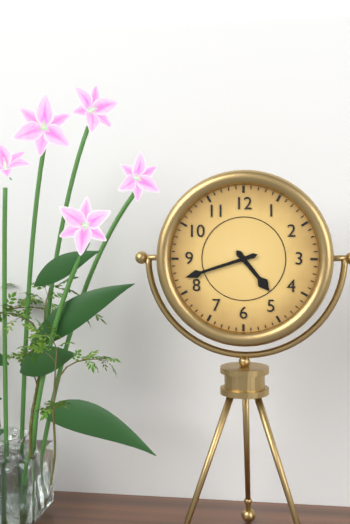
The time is 4,42
